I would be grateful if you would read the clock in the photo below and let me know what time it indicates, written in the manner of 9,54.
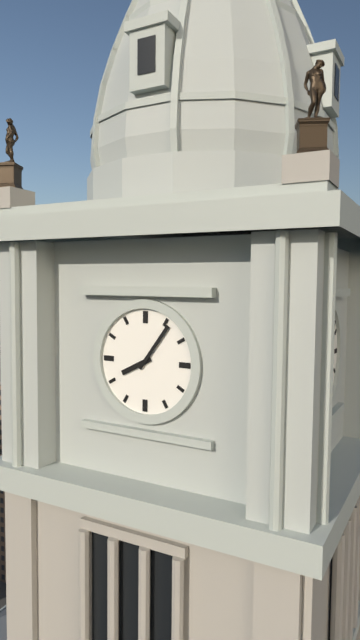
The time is 8,06
